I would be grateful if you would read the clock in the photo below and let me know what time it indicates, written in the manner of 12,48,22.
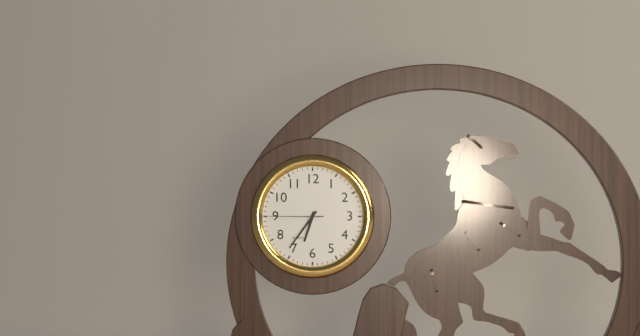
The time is 6,36,45
